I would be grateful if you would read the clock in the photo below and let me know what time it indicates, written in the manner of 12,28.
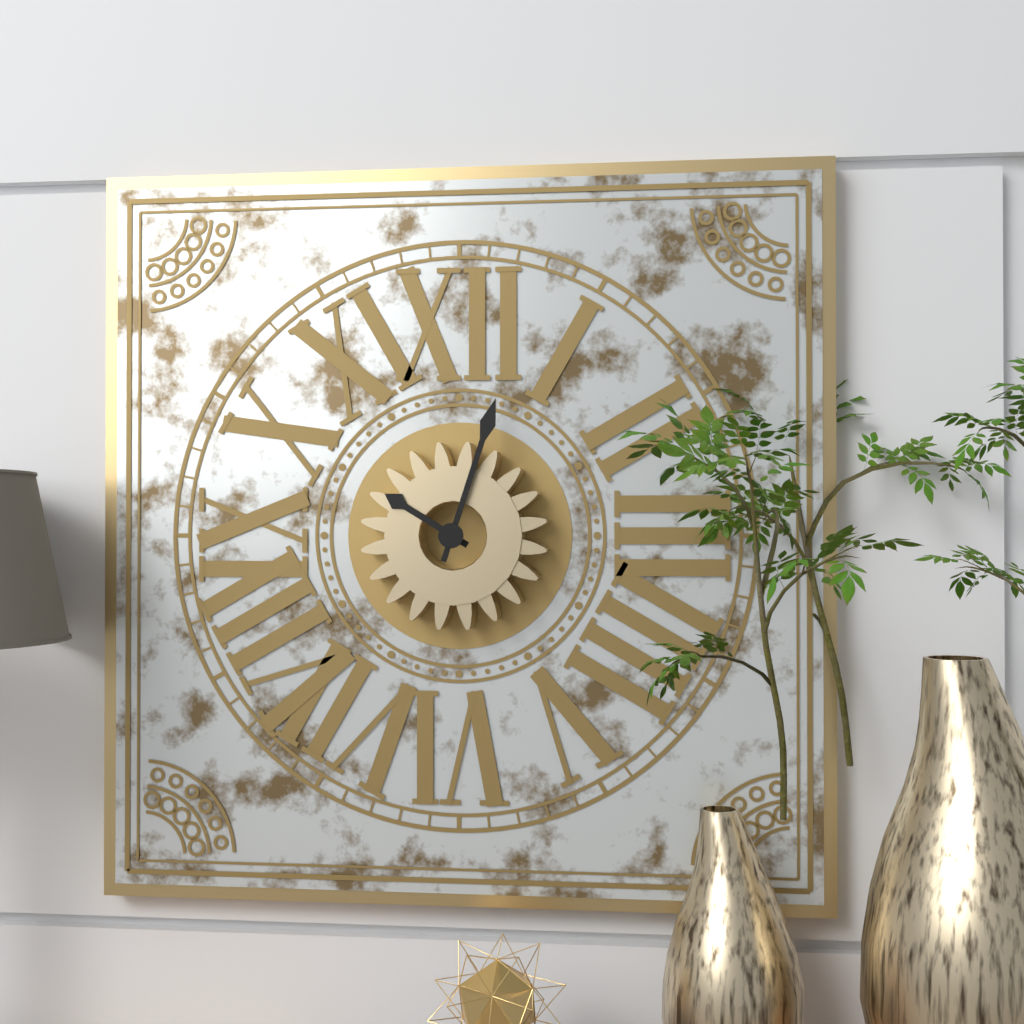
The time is 10,03
